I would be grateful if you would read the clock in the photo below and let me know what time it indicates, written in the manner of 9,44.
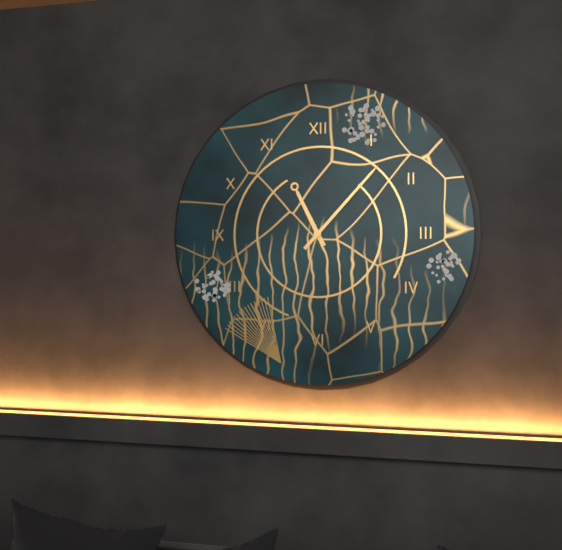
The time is 11,07
